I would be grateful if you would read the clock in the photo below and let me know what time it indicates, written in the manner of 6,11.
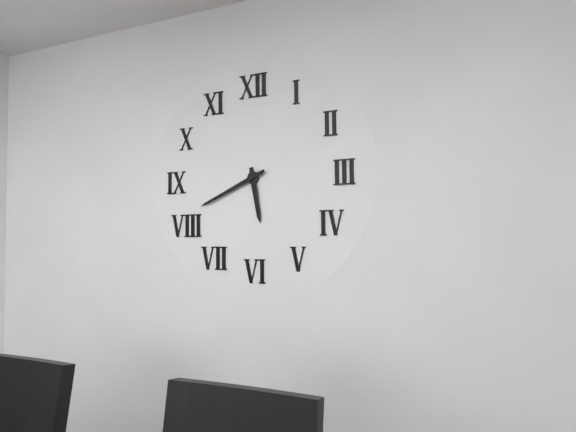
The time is 5,41
